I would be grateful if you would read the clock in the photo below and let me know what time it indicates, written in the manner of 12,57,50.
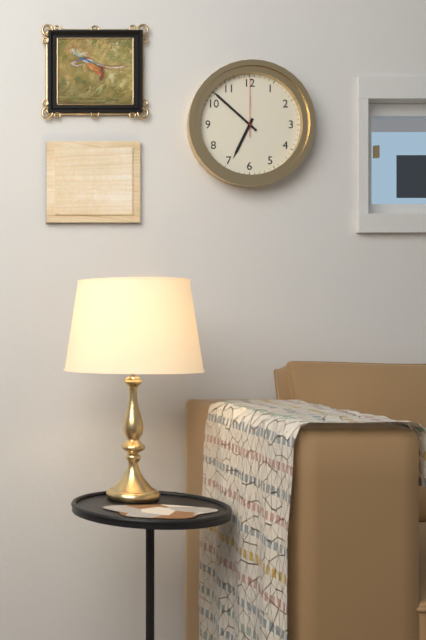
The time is 6,52,00
